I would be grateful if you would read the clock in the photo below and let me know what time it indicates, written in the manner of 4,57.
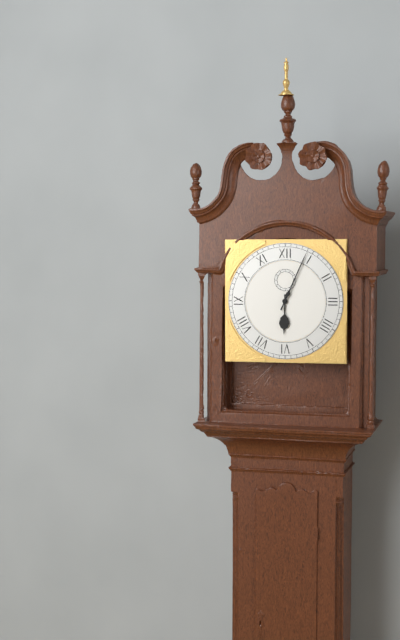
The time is 6,04
